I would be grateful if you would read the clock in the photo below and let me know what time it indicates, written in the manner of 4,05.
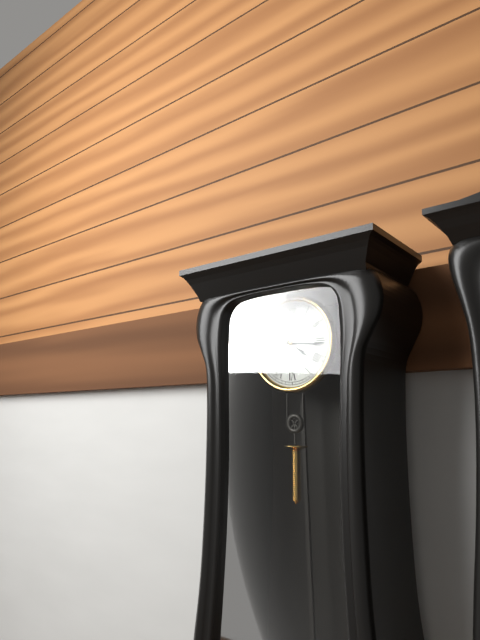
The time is 4,16
